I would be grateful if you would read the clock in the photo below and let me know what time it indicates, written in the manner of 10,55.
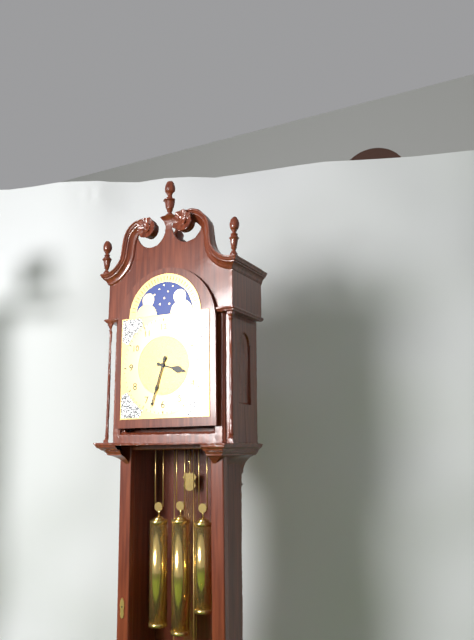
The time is 3,33
